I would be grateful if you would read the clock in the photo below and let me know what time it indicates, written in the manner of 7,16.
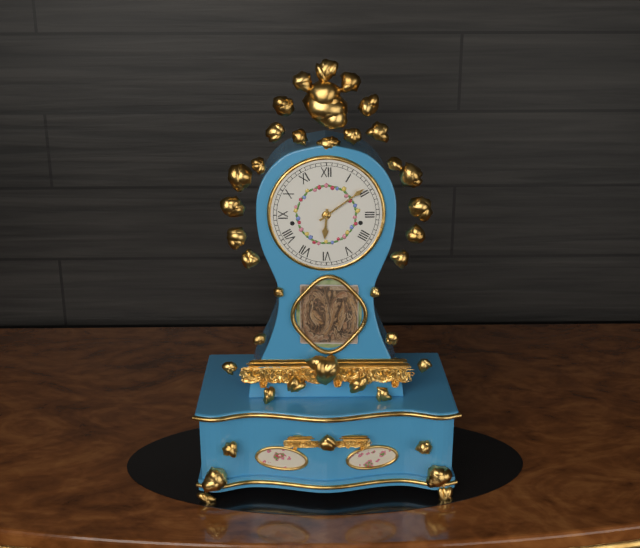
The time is 6,09
